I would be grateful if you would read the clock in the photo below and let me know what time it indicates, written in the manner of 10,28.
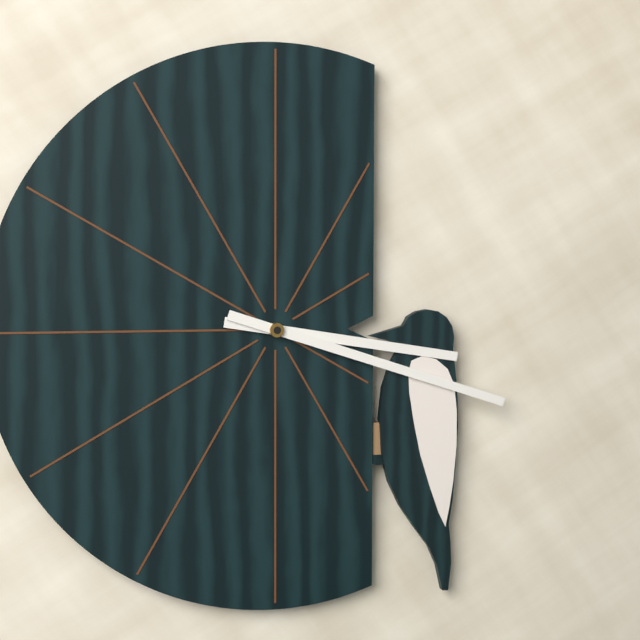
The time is 3,18
